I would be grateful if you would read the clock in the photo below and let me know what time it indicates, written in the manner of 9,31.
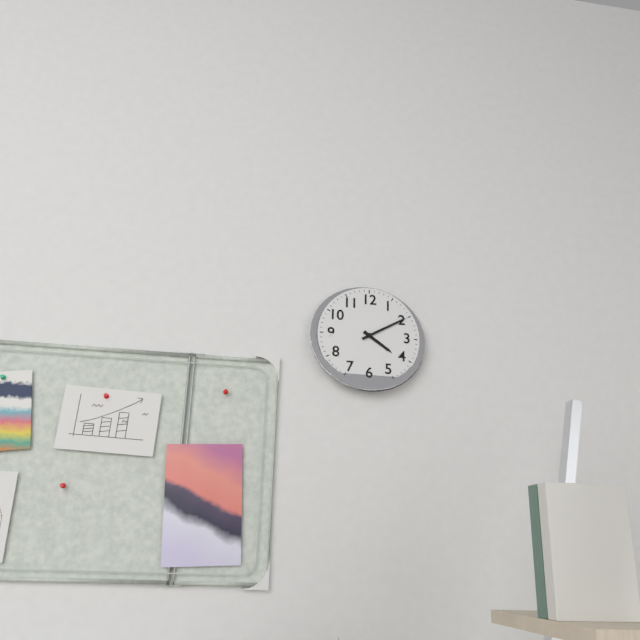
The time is 4,10
